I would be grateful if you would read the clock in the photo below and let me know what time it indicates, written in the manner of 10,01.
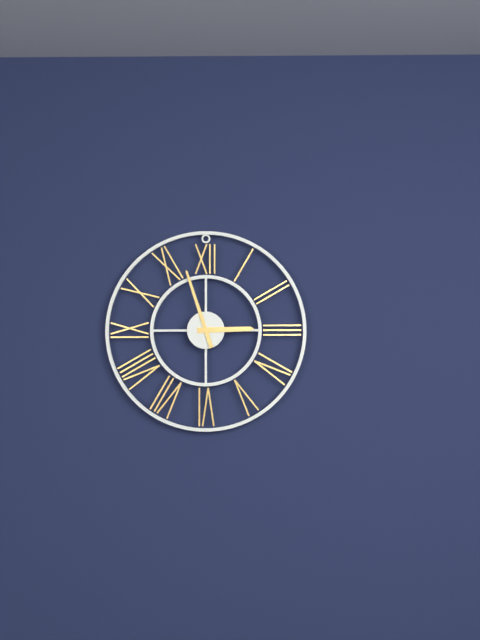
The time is 2,57
